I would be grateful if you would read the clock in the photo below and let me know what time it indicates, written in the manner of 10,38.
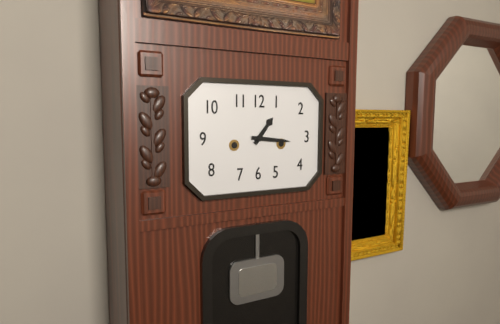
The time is 1,16
